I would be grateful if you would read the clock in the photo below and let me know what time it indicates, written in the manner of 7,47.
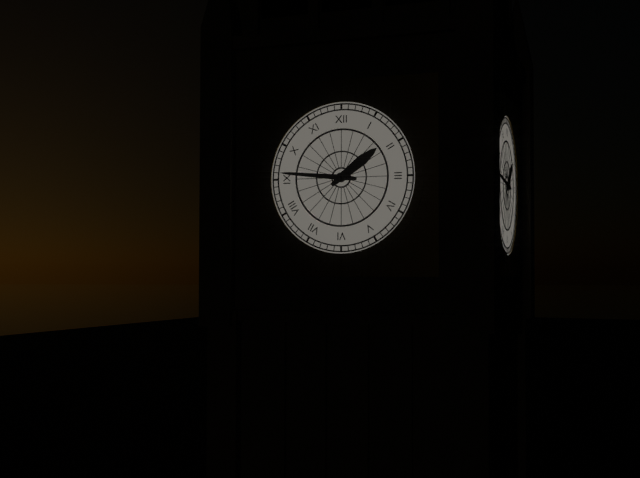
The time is 1,46
